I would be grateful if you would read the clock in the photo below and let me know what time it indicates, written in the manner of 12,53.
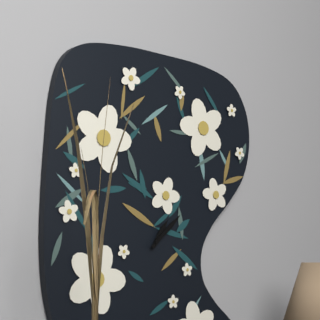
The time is 1,08
